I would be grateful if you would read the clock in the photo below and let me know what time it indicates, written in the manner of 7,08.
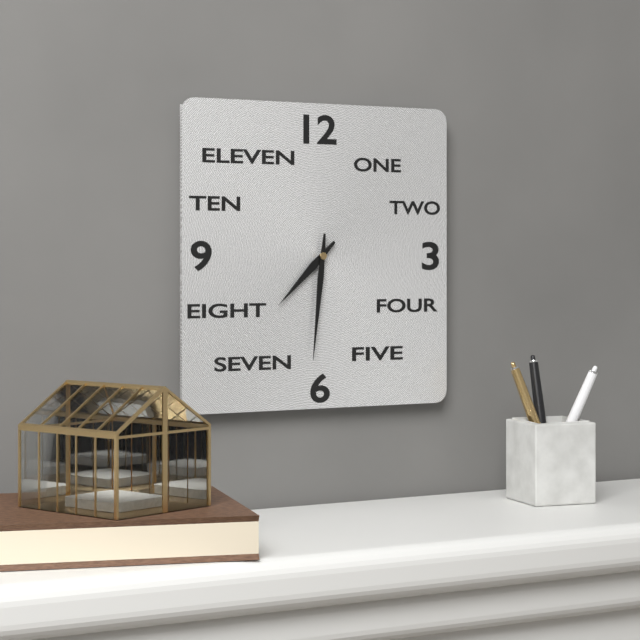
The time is 7,31
